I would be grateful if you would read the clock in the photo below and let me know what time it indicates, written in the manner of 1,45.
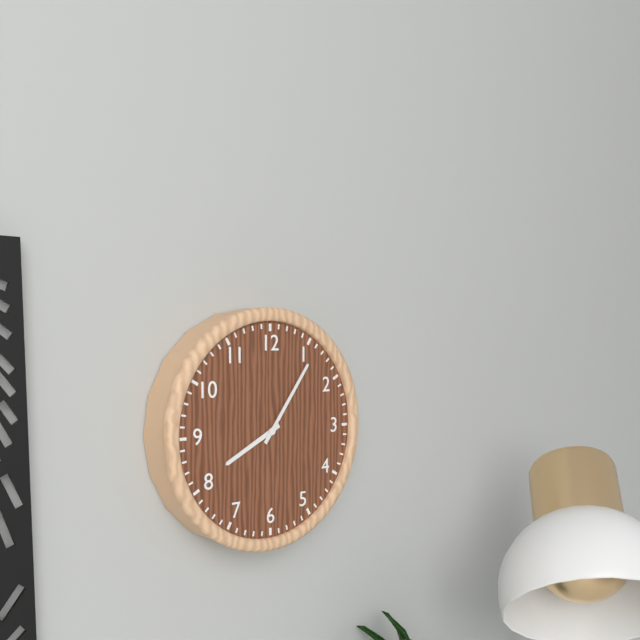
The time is 8,06
